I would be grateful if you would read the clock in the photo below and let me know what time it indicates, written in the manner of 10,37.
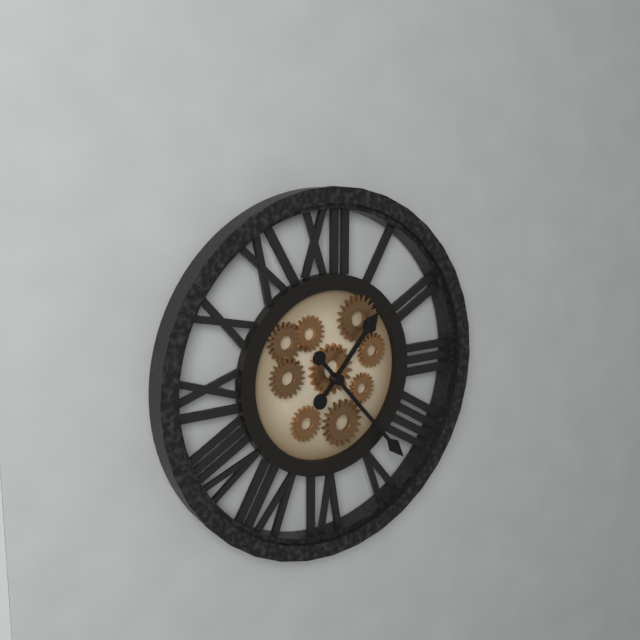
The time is 1,23
